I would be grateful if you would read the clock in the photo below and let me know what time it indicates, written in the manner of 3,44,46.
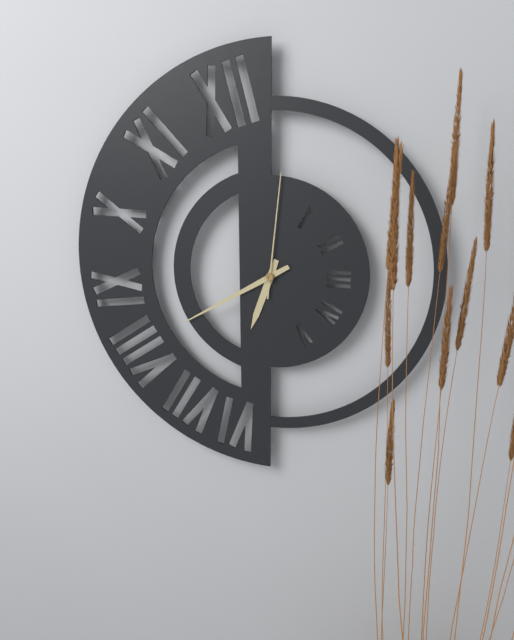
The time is 6,40,01
